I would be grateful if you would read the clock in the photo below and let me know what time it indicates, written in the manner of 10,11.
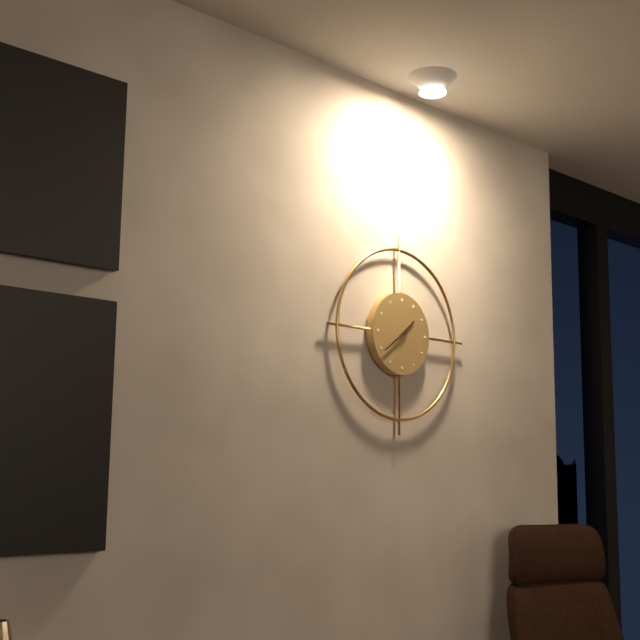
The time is 1,39
